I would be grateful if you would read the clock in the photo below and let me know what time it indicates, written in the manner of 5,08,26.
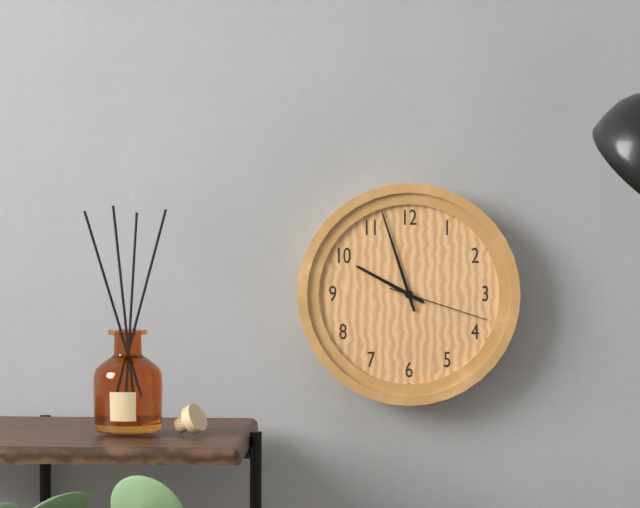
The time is 9,57,18
